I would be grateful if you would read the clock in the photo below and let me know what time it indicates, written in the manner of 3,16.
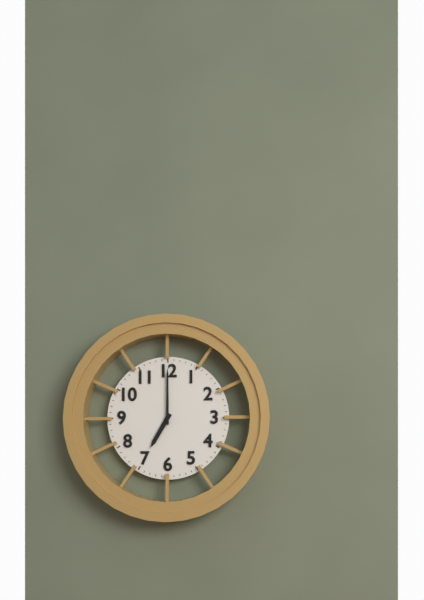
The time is 7,00
